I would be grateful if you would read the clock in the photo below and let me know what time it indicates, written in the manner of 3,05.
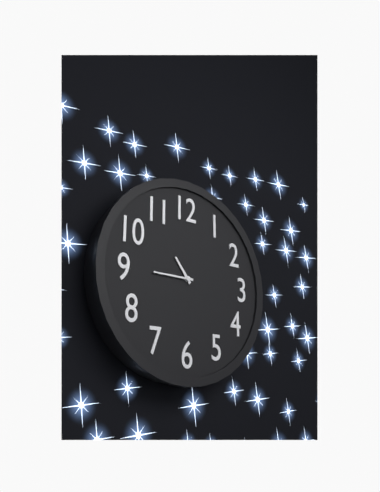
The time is 10,45
